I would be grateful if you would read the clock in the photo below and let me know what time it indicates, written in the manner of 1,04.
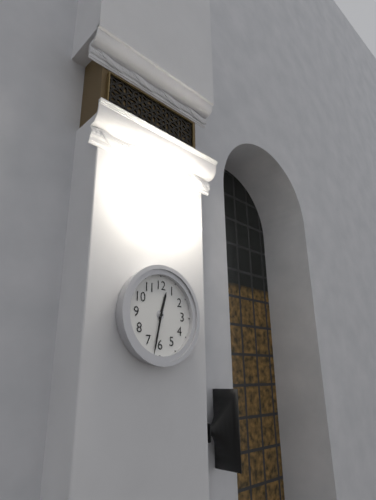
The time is 12,32
